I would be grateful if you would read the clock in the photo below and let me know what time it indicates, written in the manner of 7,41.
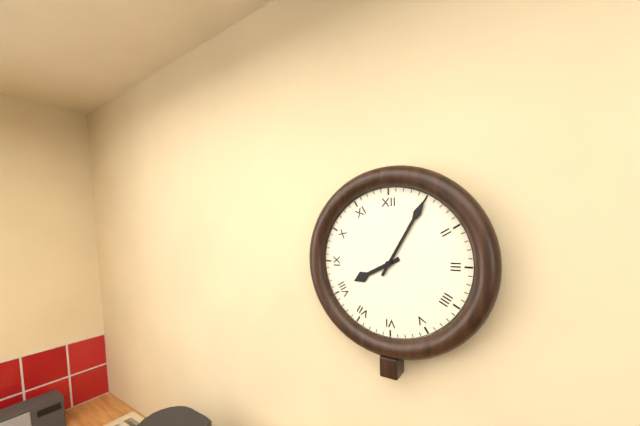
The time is 8,05
